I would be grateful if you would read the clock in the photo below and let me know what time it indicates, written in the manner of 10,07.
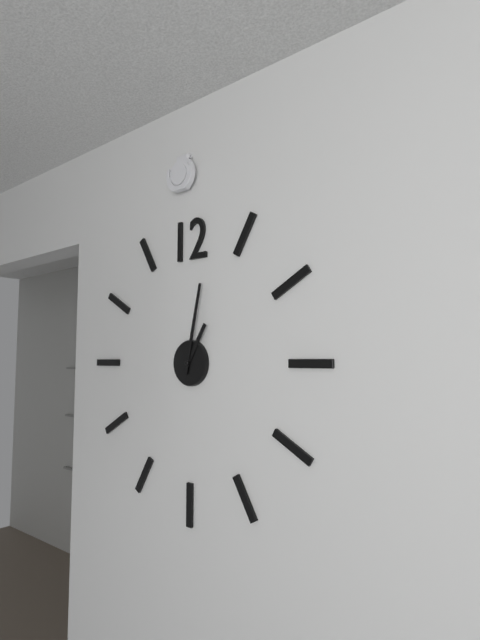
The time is 1,02
